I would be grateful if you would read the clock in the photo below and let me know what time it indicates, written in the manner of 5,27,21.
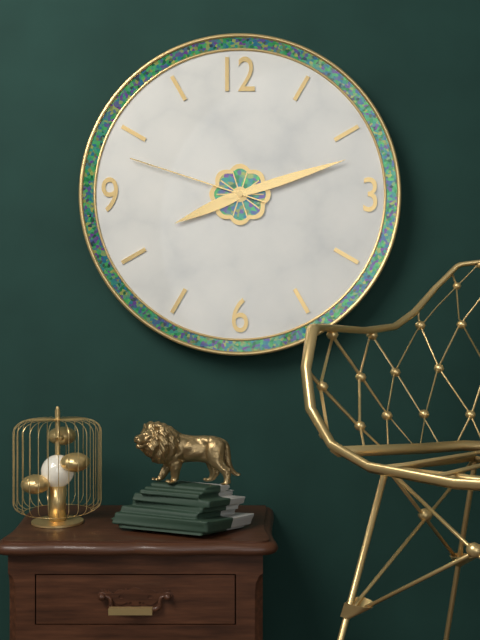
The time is 8,12,48
